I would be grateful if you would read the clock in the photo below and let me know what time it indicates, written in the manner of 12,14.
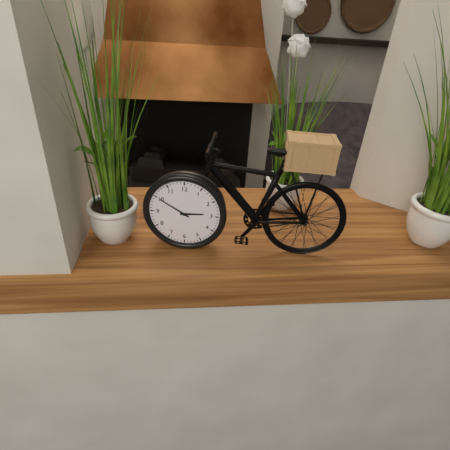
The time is 2,50
